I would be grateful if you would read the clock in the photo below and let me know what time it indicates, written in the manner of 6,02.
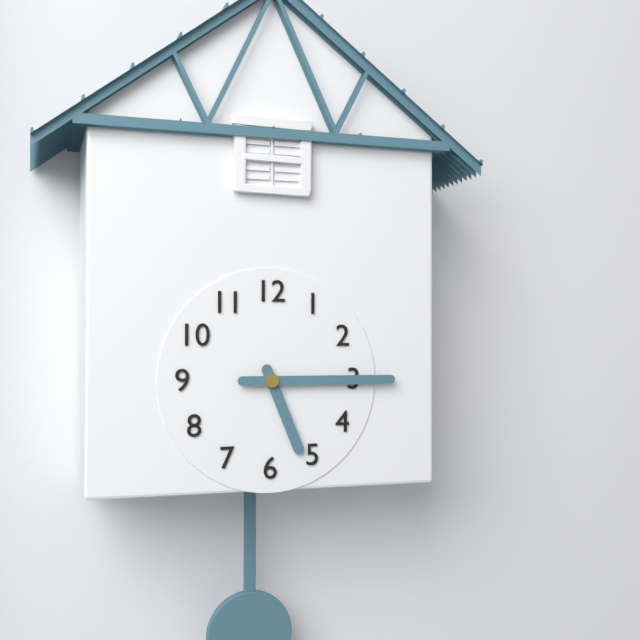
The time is 5,15
